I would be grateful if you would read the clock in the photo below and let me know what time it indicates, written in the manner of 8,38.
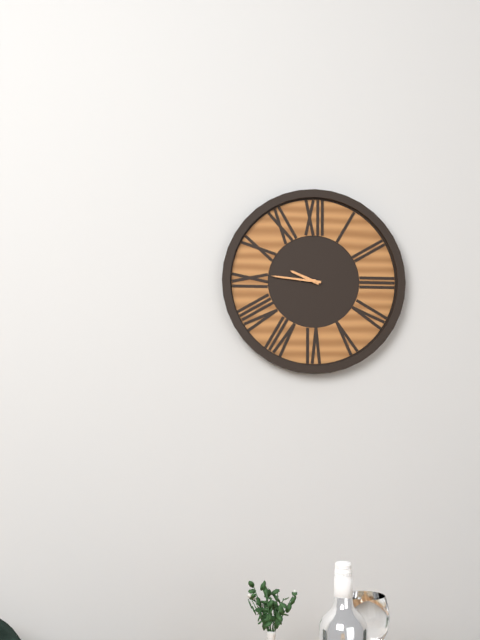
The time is 9,46
